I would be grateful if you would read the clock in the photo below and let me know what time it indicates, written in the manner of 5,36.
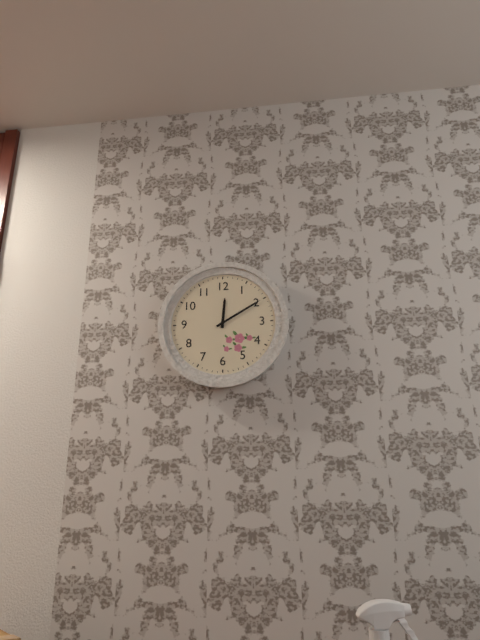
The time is 12,10
